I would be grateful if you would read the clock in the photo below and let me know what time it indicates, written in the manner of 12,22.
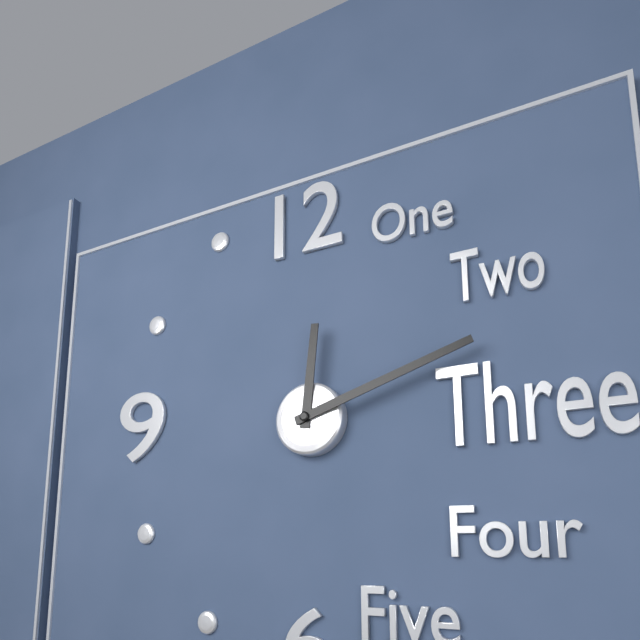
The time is 12,12
